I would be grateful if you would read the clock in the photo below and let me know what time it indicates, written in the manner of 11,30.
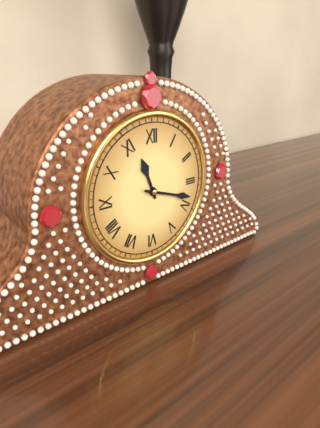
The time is 11,18
